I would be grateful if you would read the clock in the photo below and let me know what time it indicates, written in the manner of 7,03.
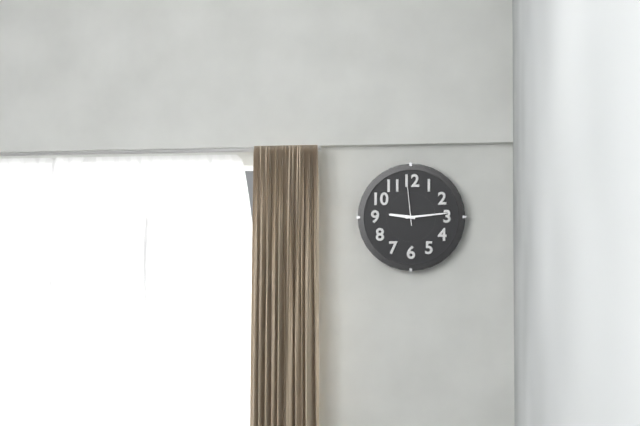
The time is 9,14
